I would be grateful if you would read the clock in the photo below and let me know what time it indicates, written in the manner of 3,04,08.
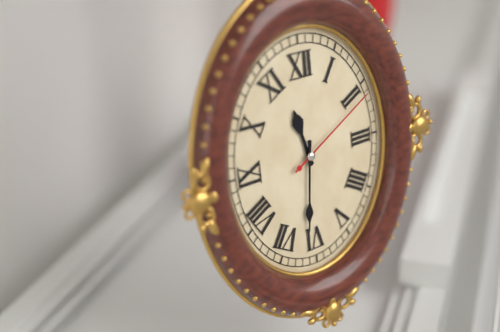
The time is 11,31,10
